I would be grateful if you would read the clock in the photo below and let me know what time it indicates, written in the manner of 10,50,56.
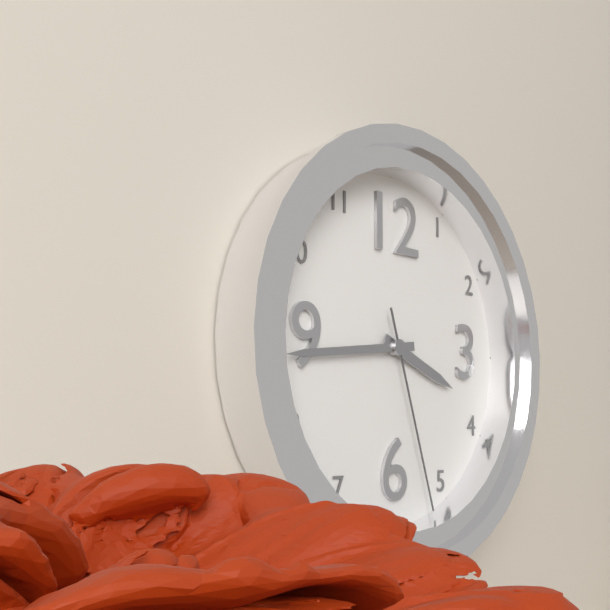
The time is 3,44,27
